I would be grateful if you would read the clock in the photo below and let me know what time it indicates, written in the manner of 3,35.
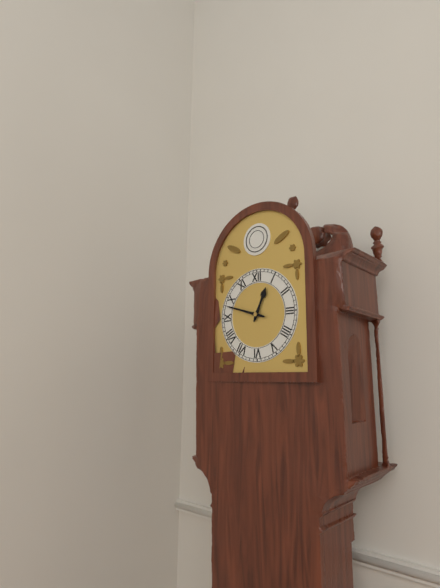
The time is 12,48
